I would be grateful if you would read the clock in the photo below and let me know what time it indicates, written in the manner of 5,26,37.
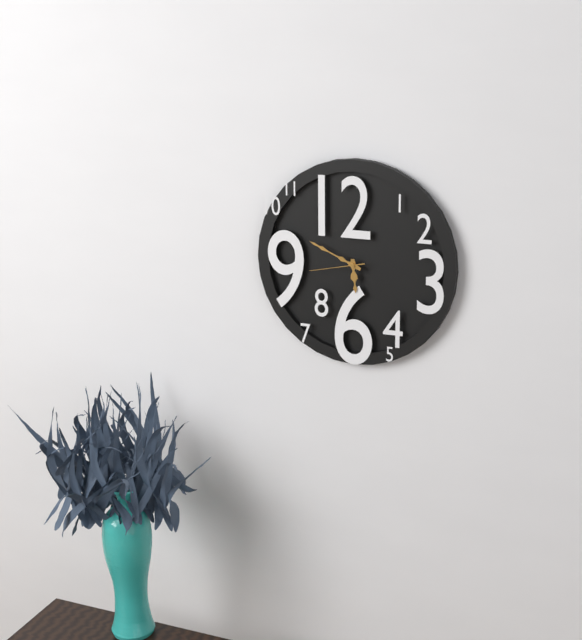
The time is 5,49,43
